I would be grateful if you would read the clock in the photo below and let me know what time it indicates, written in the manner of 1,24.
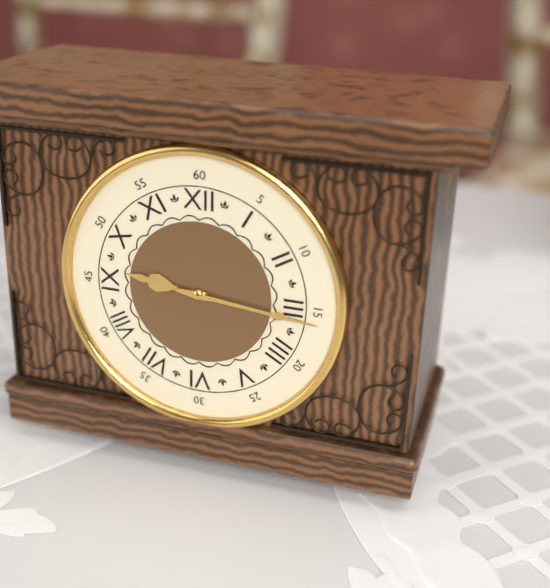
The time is 9,16
